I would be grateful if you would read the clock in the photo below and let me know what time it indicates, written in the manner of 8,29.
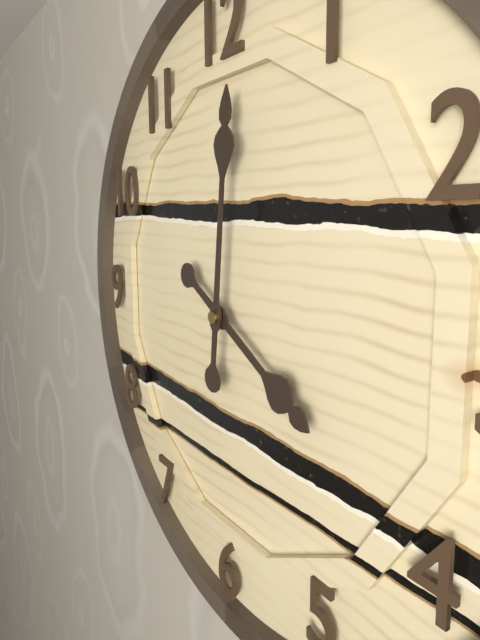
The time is 4,01
